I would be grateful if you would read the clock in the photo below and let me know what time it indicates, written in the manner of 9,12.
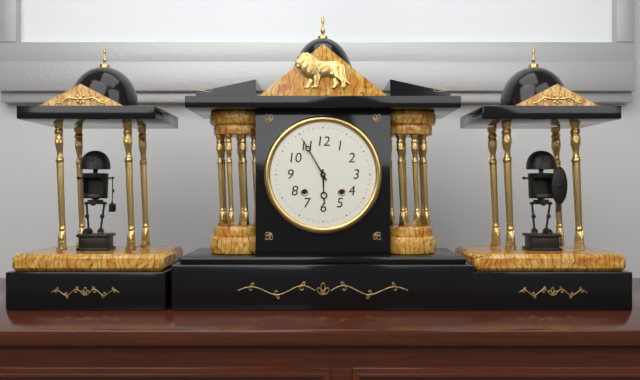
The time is 5,55
